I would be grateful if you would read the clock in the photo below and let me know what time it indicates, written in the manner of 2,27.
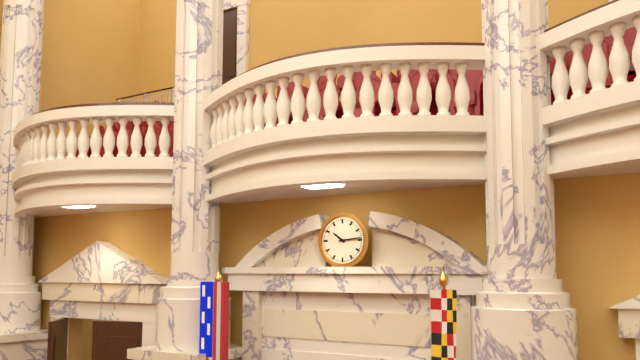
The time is 10,14
